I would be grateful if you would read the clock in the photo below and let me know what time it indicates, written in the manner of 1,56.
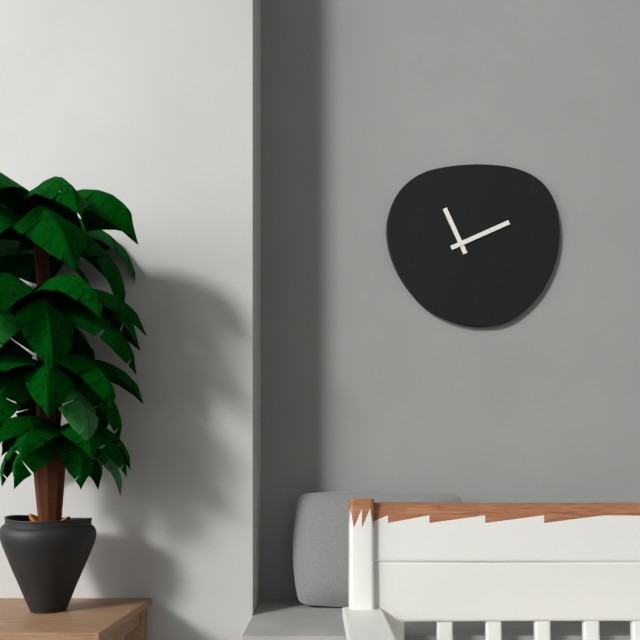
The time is 11,11
